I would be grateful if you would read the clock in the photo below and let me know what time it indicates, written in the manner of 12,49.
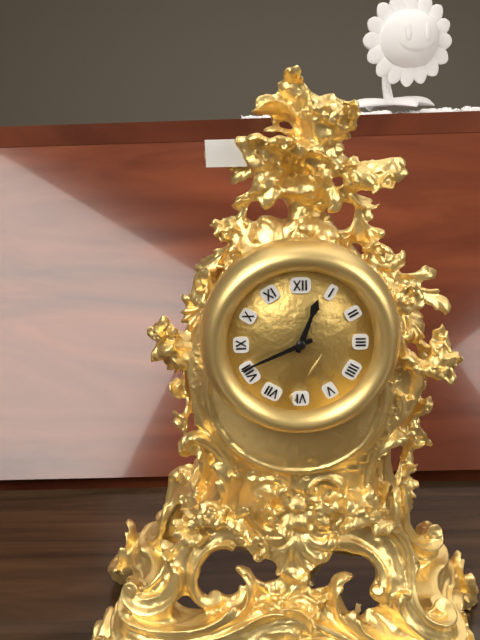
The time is 12,41
